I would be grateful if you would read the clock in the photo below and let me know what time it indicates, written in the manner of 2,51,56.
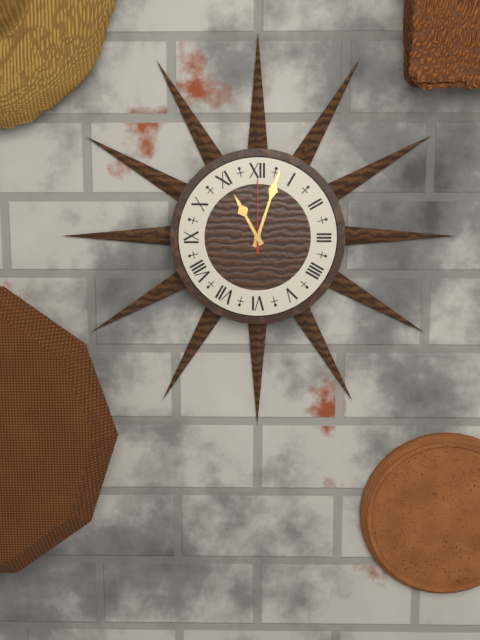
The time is 11,03,00
